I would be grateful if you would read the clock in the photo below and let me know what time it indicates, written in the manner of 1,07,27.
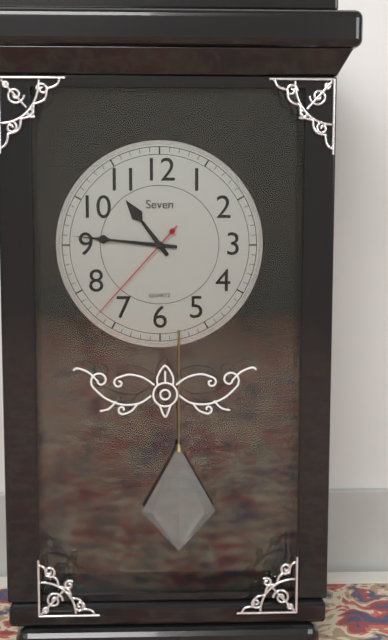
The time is 10,46,37
